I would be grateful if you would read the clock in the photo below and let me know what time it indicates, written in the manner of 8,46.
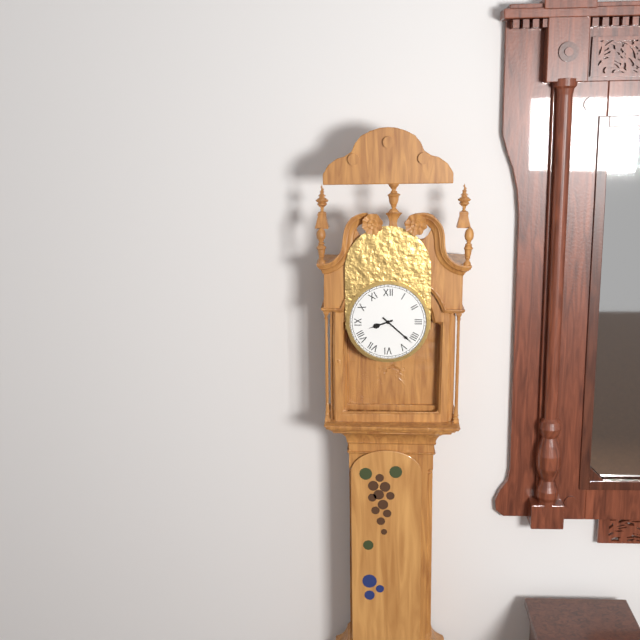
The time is 8,22
